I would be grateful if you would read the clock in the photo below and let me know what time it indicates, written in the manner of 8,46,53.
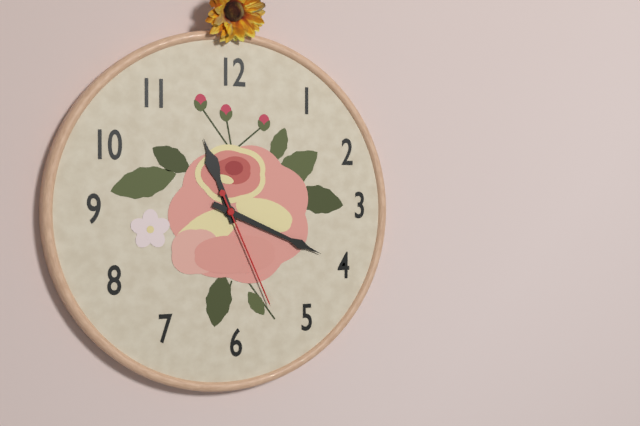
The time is 11,19,26
